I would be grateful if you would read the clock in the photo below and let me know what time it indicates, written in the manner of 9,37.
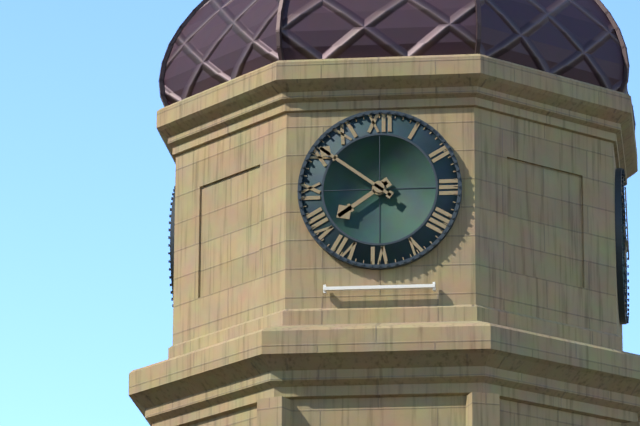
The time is 7,51
